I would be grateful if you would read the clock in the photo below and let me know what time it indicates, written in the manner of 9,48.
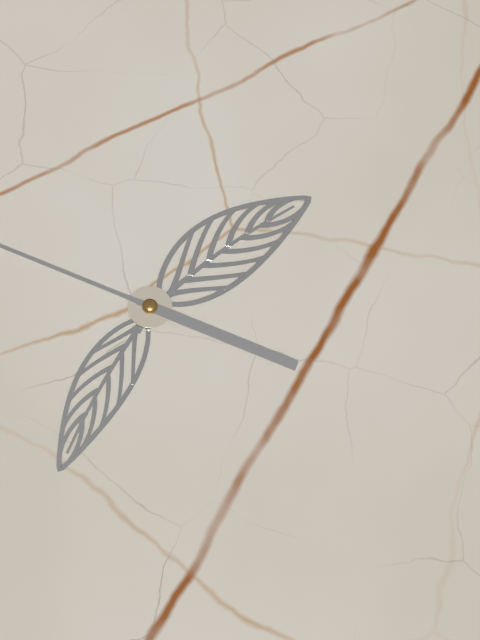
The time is 11,32
